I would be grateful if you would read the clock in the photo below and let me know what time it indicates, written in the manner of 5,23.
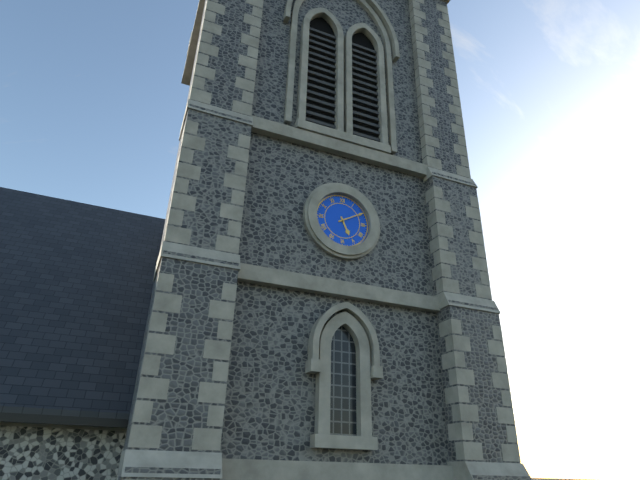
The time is 5,10
